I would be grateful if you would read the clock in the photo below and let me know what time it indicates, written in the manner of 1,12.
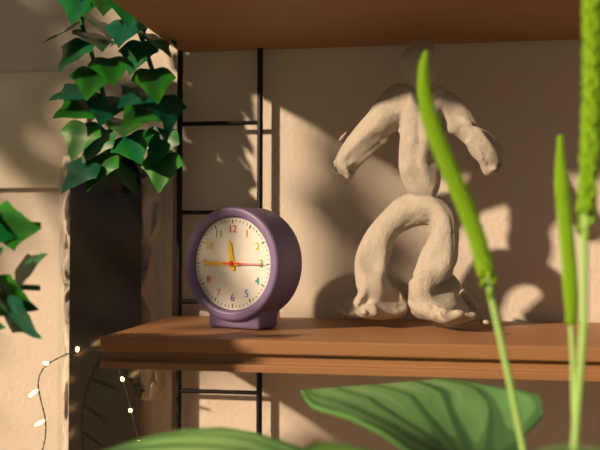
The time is 11,45
